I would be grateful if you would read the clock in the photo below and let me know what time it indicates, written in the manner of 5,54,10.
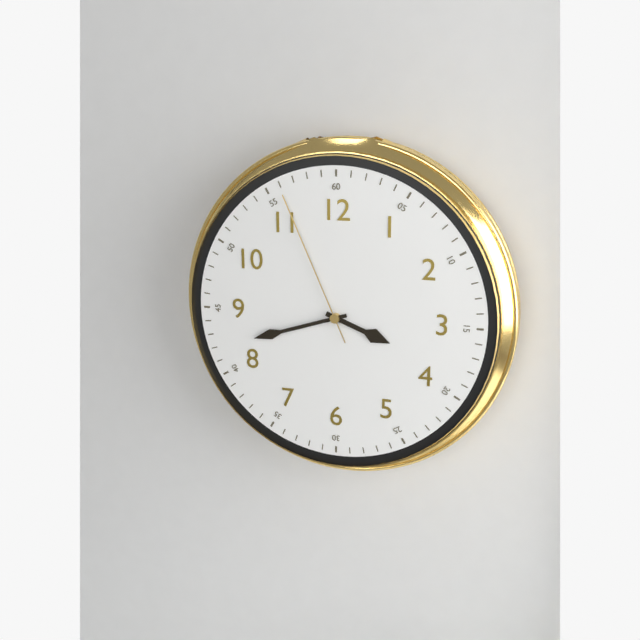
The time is 3,42,56
